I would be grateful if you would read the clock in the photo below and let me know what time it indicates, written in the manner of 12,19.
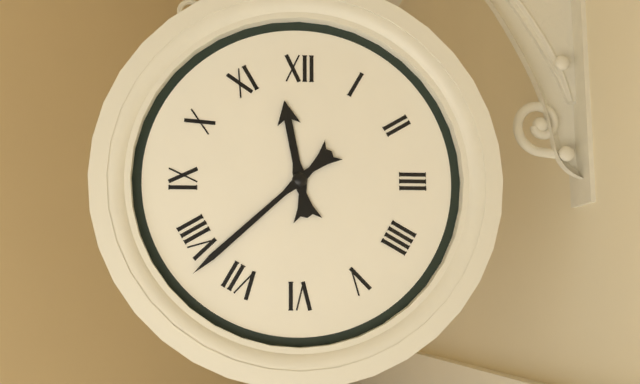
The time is 11,38
